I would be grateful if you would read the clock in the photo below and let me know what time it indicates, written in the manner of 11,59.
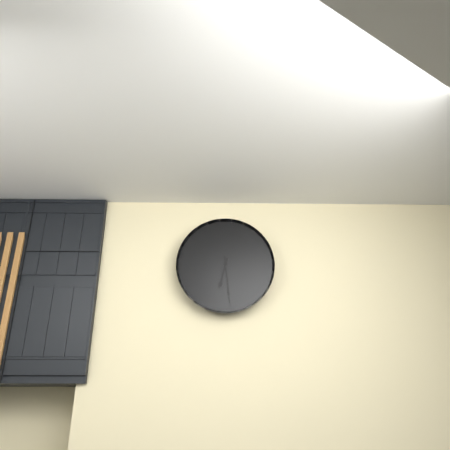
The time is 6,29
